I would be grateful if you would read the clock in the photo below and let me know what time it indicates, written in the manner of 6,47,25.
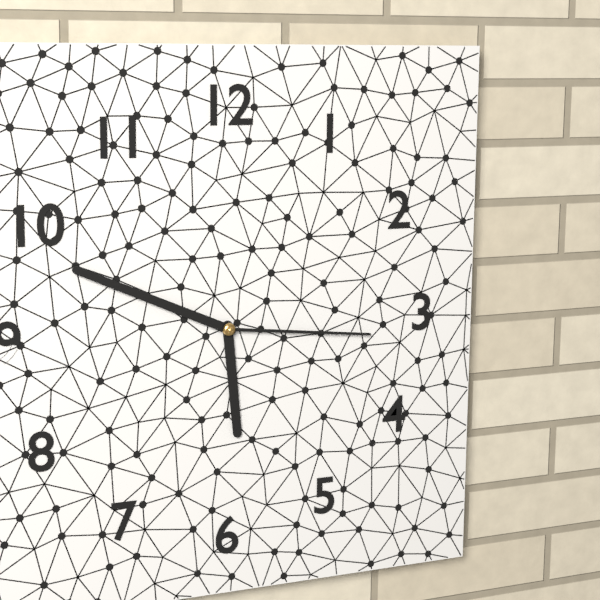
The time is 5,49,16
